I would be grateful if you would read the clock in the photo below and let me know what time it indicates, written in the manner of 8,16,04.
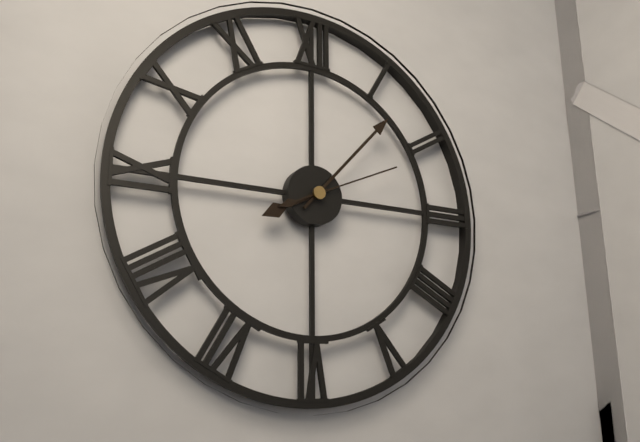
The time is 8,07,11
